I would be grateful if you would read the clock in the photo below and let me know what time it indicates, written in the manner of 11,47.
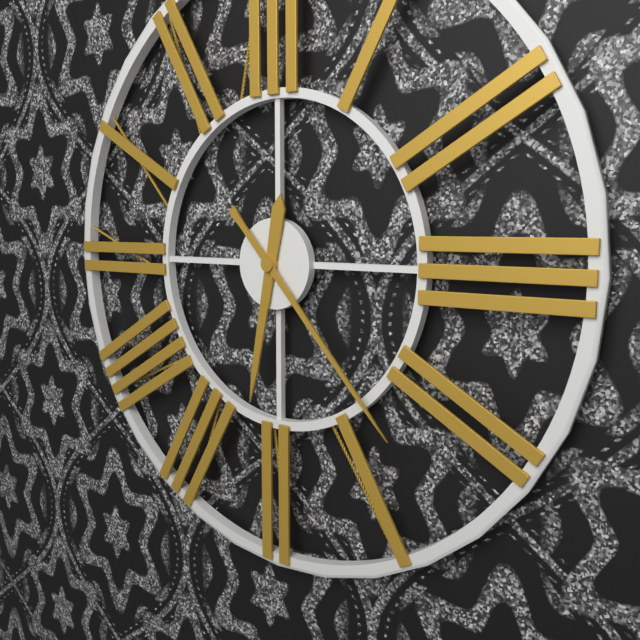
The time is 6,23
